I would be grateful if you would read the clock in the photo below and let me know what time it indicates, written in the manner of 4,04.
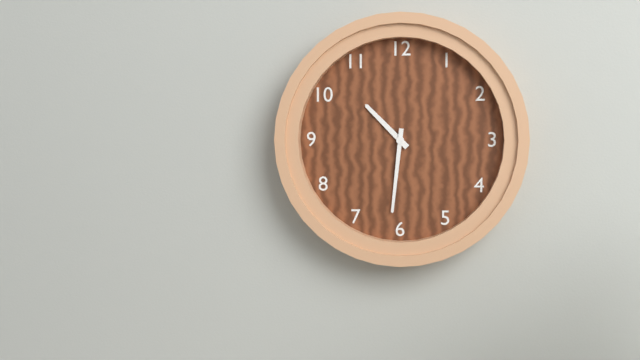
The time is 10,31
